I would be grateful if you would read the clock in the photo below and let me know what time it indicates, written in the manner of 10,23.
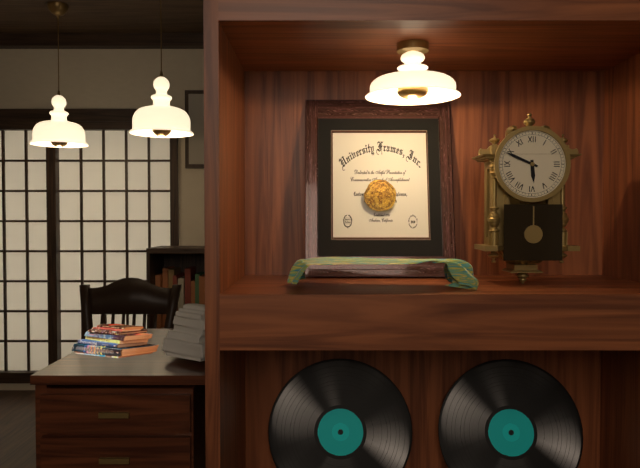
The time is 5,49
